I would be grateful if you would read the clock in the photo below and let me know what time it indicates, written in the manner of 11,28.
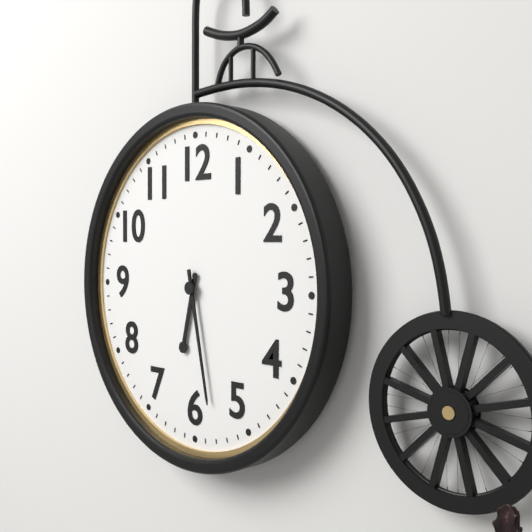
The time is 6,28
